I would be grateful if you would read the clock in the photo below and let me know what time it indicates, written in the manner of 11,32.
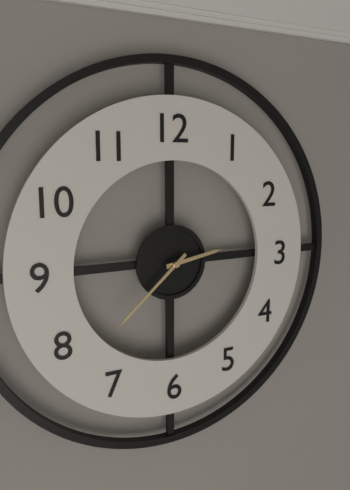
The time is 2,38
